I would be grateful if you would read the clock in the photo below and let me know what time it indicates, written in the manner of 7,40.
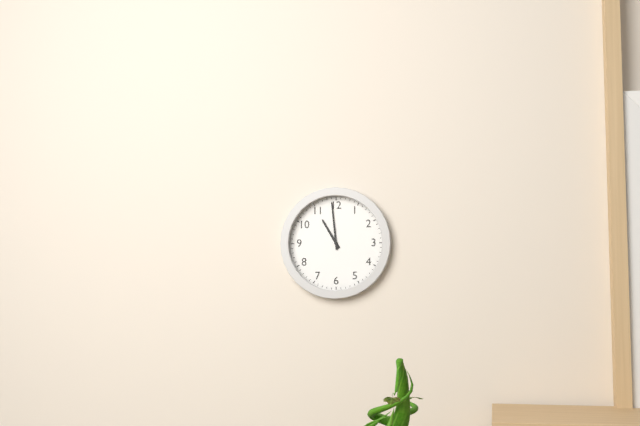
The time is 10,59
